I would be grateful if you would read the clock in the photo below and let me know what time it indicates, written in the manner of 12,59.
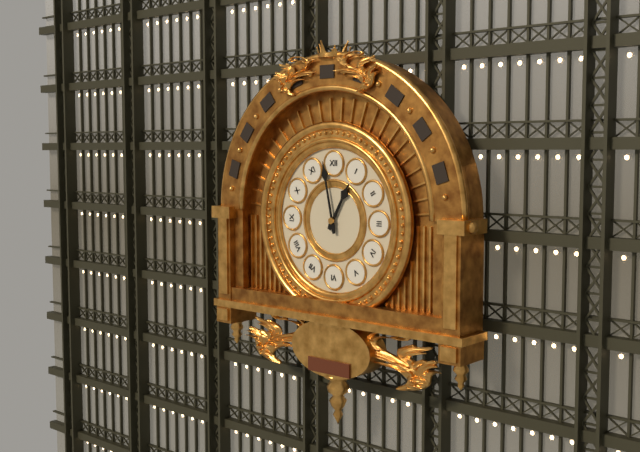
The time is 12,58
